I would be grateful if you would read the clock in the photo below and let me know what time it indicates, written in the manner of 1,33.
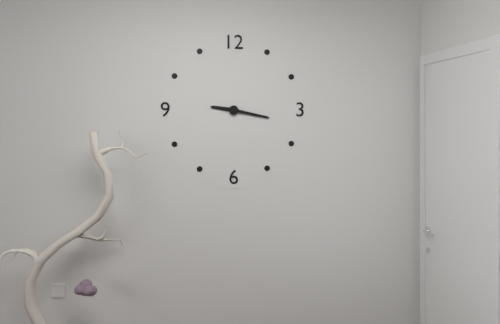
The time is 9,17
